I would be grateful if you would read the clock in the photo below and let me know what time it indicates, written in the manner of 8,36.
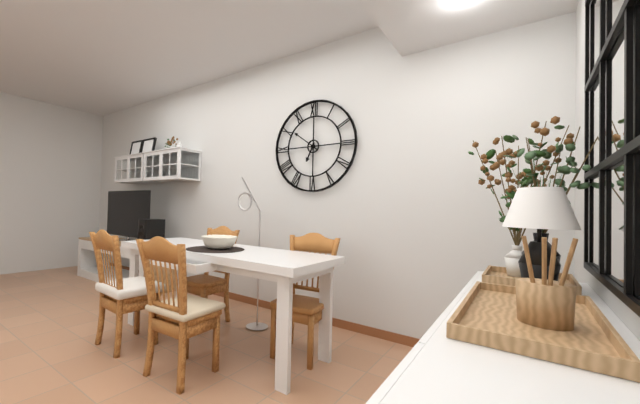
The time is 6,51
